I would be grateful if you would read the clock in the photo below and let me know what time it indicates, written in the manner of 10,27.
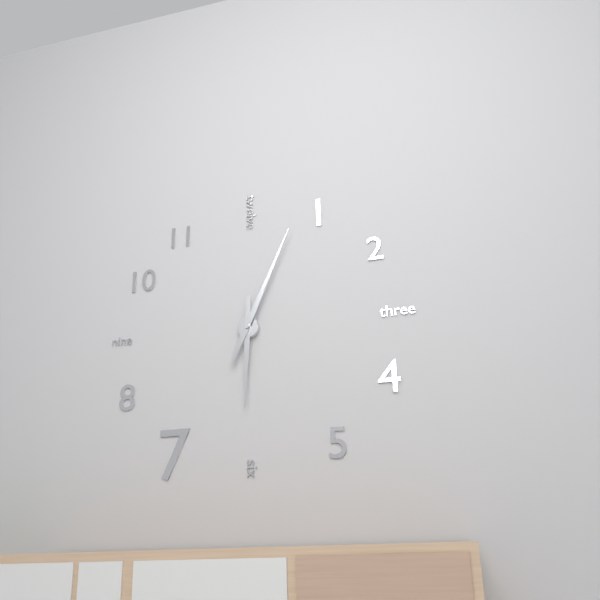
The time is 6,04
